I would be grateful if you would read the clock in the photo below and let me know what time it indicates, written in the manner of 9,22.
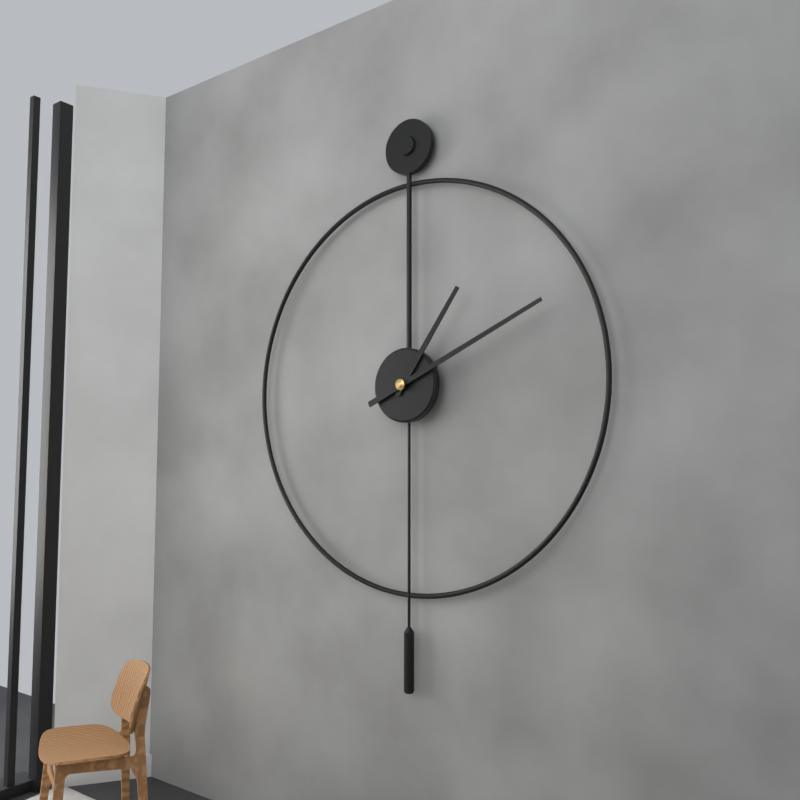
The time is 1,11
